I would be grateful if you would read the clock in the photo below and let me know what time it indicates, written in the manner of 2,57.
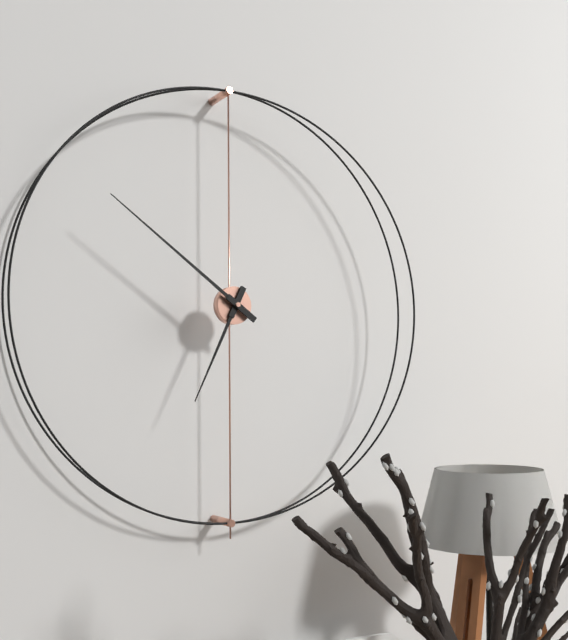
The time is 6,51
